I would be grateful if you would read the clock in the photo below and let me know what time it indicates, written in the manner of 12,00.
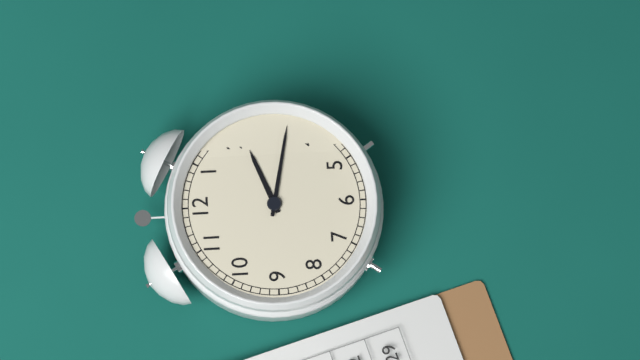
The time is 2,17
